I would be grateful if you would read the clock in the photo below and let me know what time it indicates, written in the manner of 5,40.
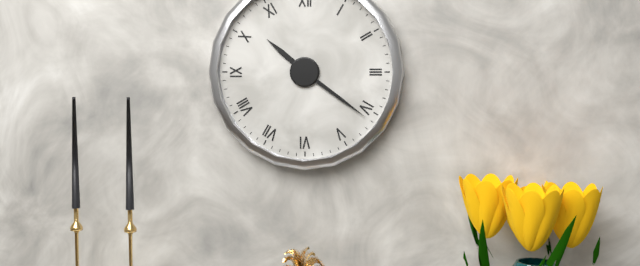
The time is 10,21
